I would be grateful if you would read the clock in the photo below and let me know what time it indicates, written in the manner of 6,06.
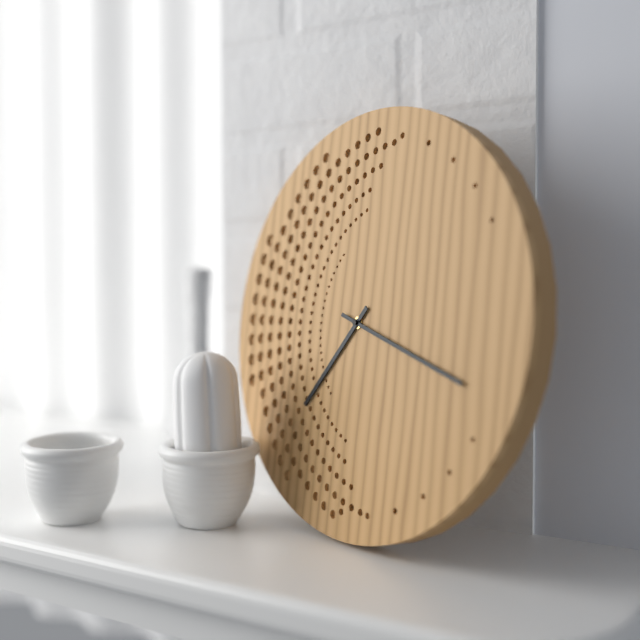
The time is 7,18
